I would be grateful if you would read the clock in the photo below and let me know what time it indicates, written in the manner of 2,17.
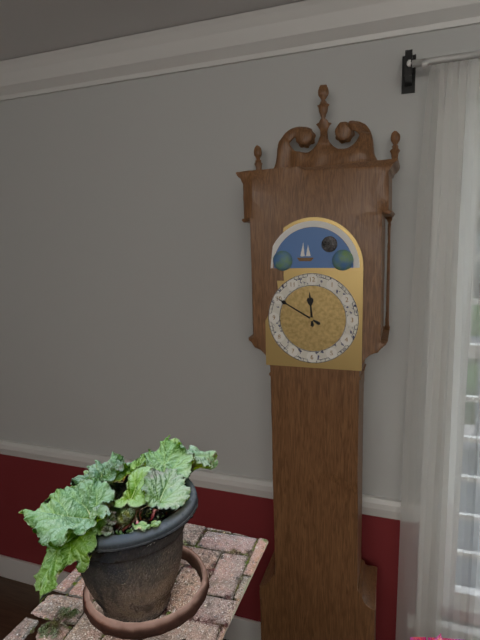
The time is 11,50
